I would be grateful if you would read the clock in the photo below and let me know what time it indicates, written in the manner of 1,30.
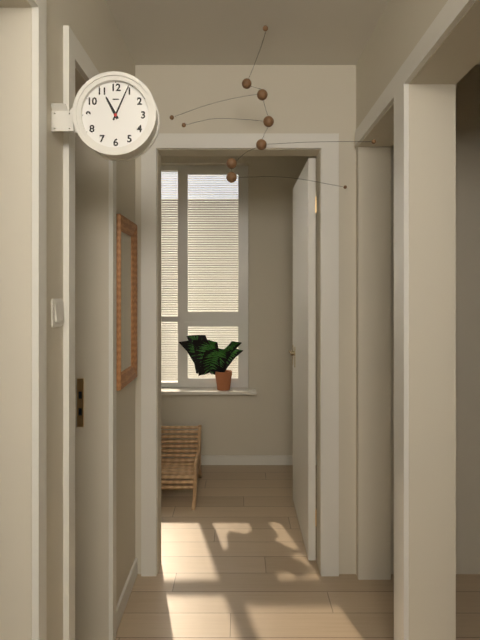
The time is 11,04
